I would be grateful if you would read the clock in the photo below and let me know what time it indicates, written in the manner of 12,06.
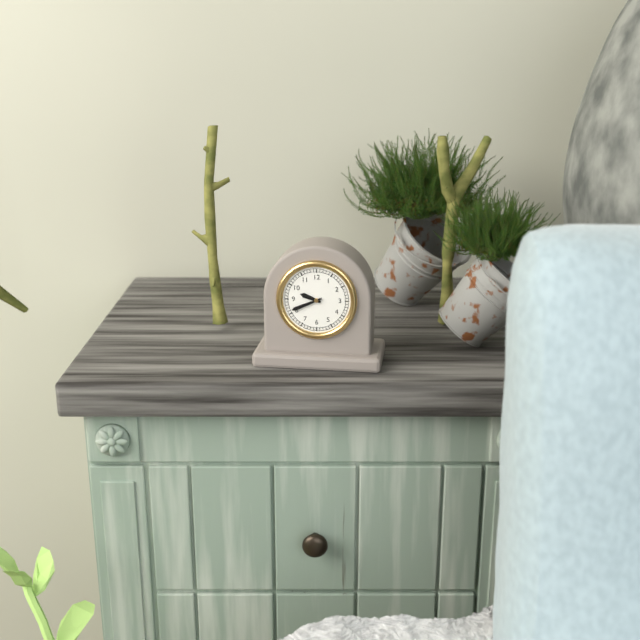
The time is 9,41
